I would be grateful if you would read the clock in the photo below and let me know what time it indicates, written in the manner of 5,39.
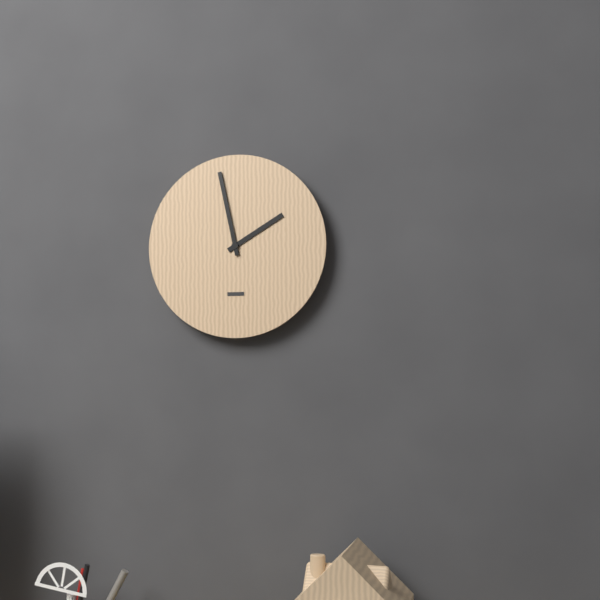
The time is 1,58
